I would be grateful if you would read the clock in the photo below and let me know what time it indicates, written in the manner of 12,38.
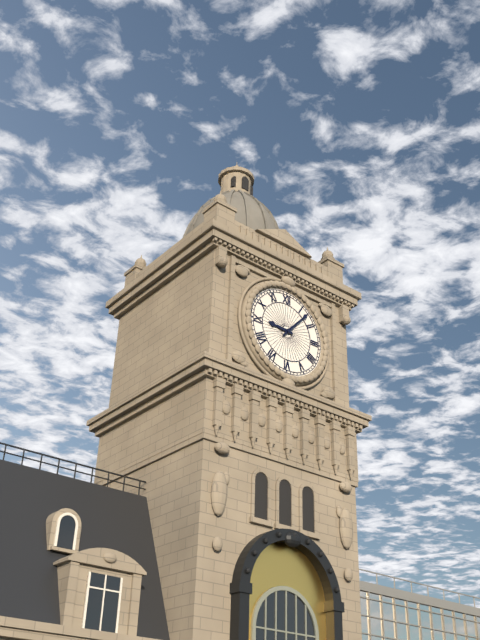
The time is 9,07
